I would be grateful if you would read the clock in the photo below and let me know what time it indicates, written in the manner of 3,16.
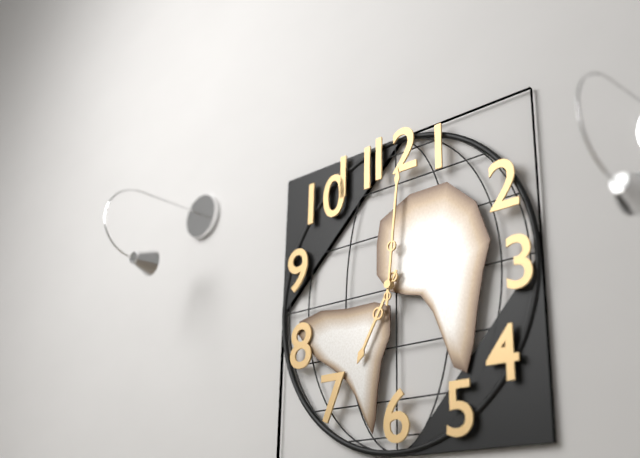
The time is 7,01
